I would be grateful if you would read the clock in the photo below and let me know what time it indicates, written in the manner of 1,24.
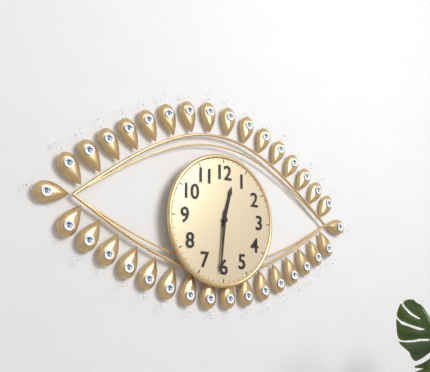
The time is 12,31
